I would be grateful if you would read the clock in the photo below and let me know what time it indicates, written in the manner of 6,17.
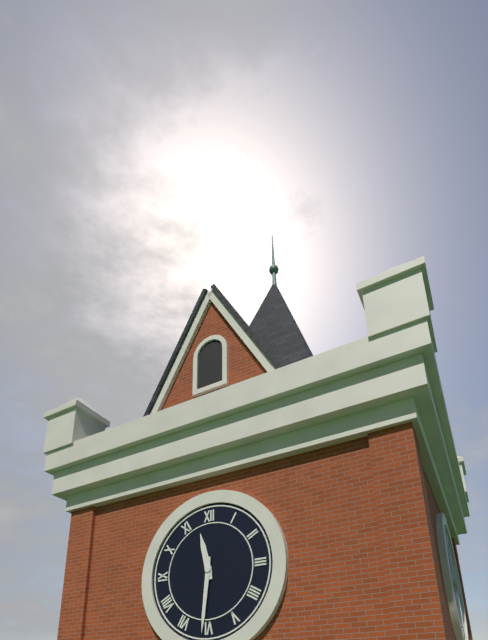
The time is 11,31
